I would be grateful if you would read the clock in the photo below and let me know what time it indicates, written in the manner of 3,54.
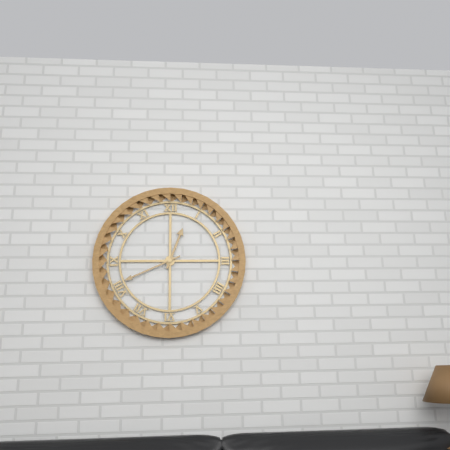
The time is 12,41
